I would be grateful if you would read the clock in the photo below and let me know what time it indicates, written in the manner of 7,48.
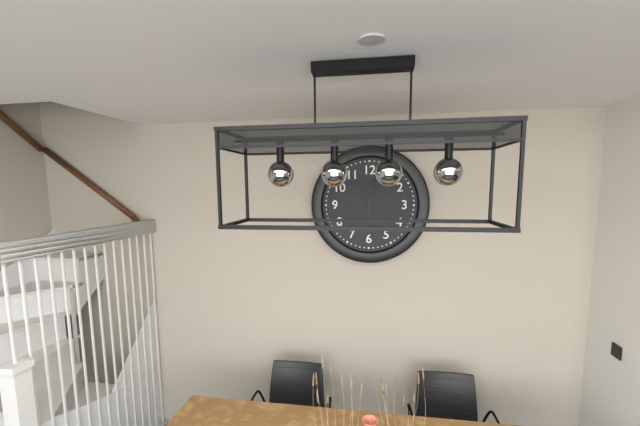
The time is 6,02
